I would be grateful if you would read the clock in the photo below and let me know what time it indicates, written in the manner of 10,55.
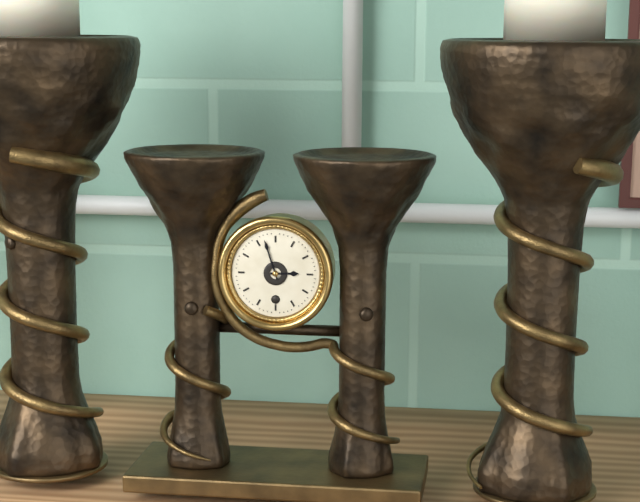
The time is 2,57
